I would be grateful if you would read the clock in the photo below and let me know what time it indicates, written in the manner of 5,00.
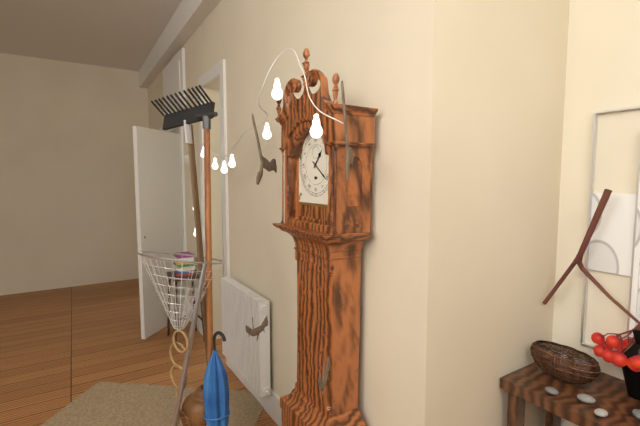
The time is 1,21
